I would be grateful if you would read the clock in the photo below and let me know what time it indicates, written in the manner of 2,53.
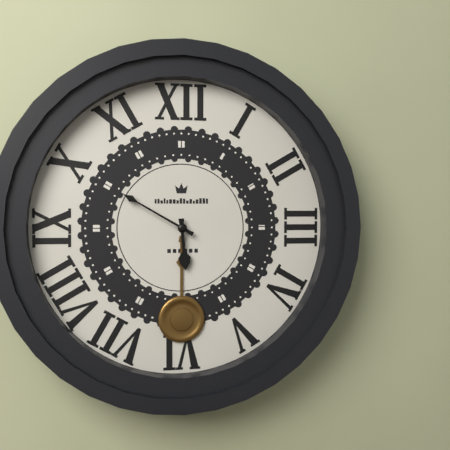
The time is 5,50
